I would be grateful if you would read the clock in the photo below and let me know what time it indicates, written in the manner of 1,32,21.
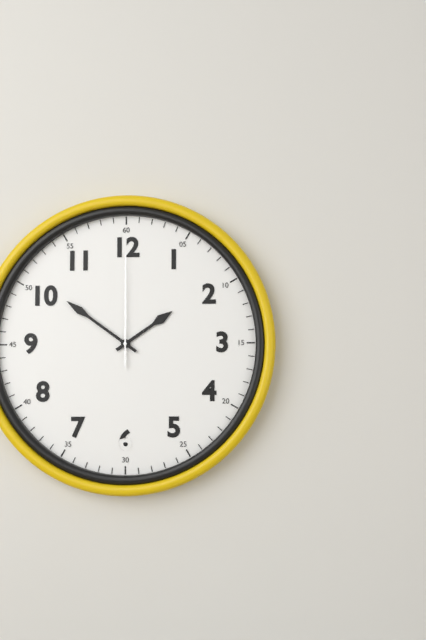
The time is 1,51,00
